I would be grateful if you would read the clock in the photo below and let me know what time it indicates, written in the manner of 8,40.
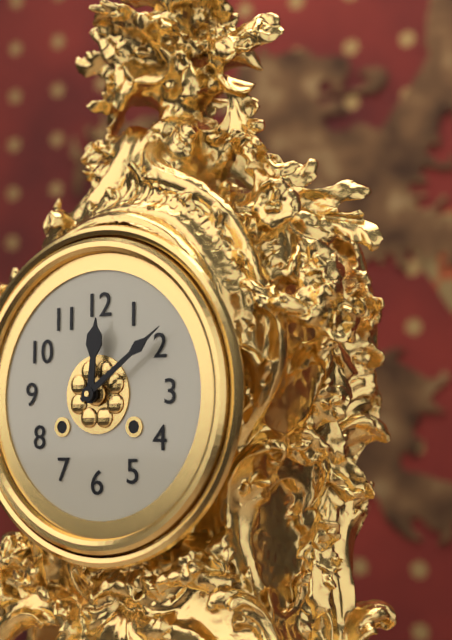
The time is 12,09
